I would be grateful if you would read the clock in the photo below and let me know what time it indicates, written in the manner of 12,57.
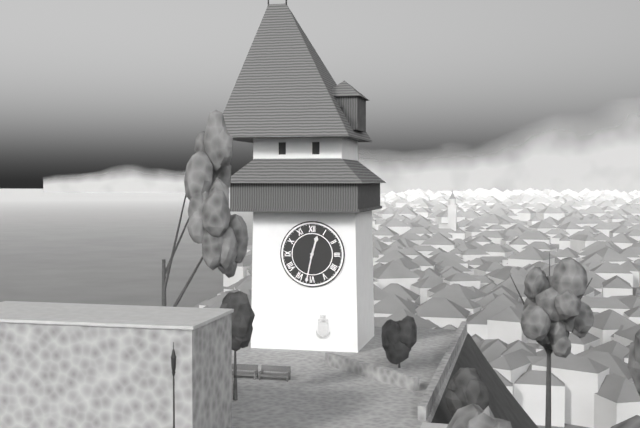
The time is 12,32
